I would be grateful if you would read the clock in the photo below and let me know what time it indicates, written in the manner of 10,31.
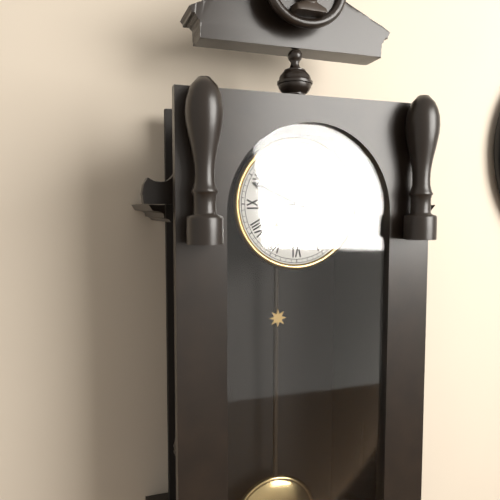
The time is 8,49
